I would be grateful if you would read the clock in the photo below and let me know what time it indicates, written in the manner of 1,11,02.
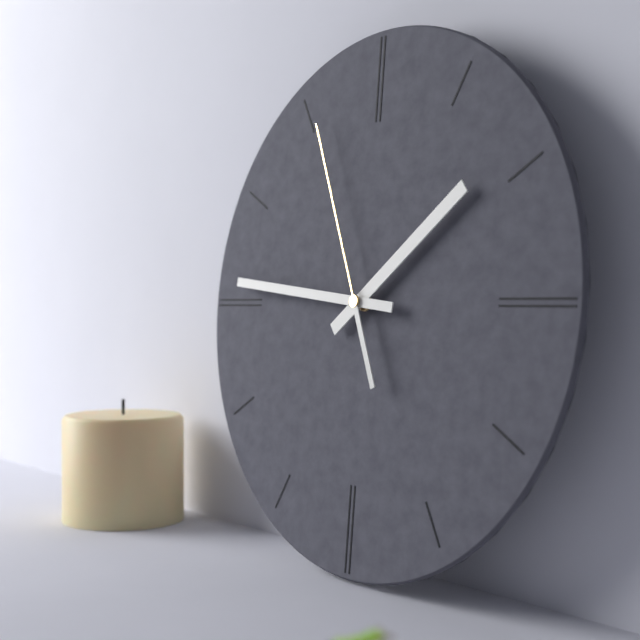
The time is 1,46,56
